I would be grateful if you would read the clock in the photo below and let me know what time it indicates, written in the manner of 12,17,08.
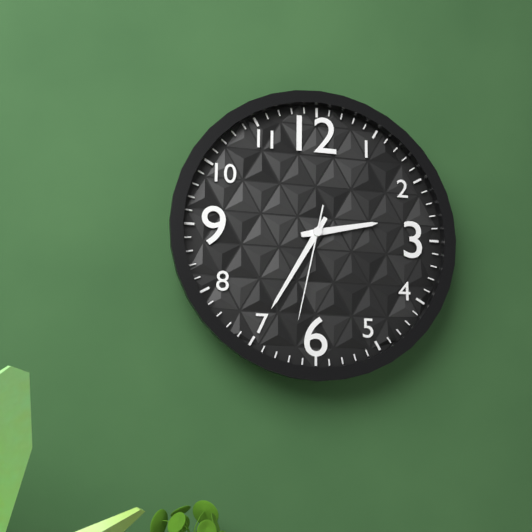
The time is 2,35,32
